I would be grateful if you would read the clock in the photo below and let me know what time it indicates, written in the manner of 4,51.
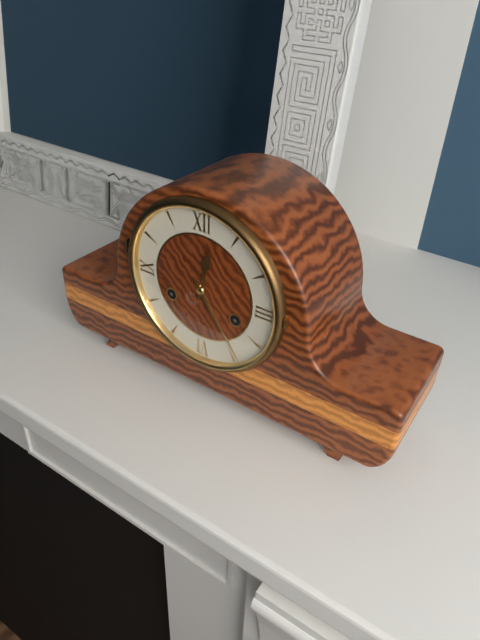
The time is 12,24
